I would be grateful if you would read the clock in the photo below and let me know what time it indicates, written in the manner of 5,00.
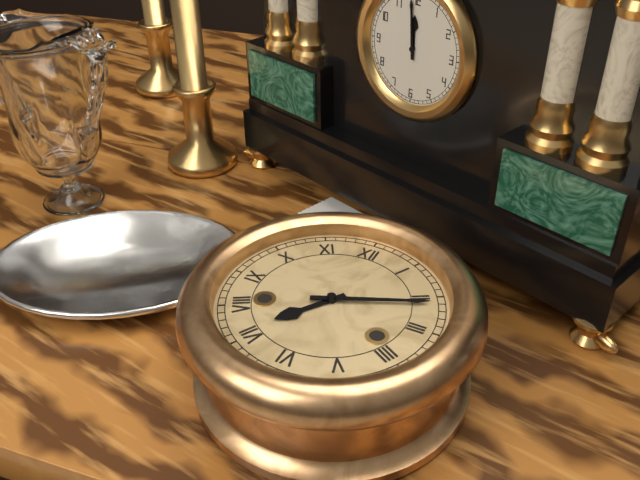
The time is 7,11
